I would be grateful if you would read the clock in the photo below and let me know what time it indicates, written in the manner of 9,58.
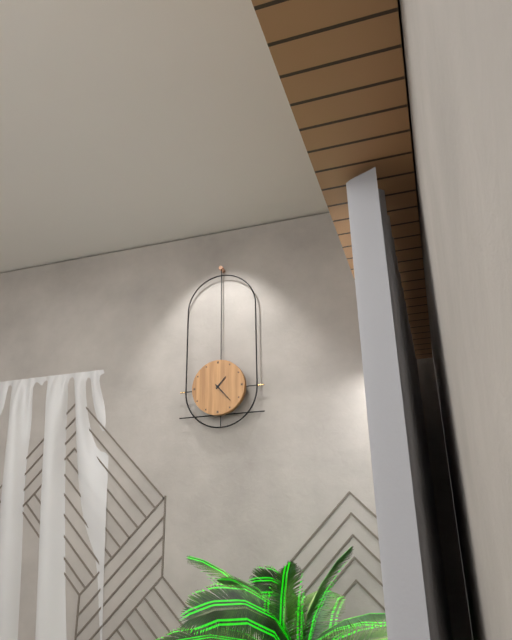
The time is 1,23
